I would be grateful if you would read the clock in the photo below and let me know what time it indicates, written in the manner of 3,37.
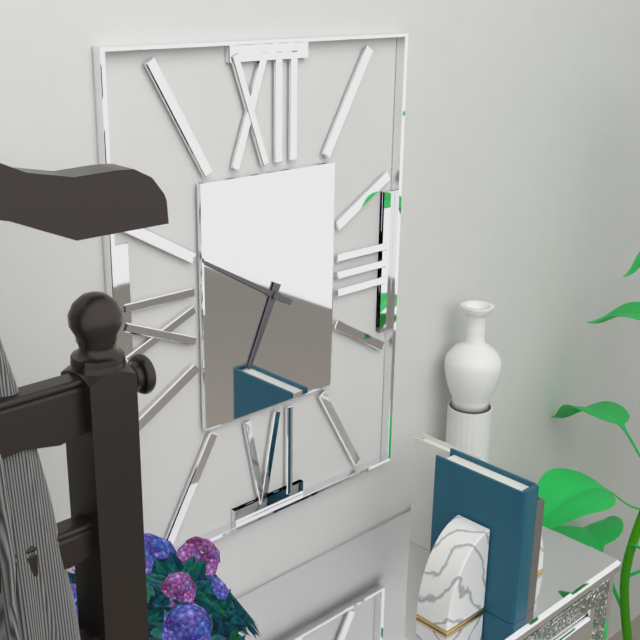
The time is 6,50
